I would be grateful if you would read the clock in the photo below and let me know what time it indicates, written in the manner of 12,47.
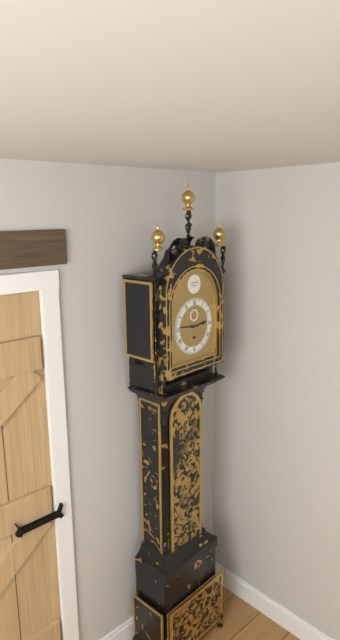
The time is 2,46
